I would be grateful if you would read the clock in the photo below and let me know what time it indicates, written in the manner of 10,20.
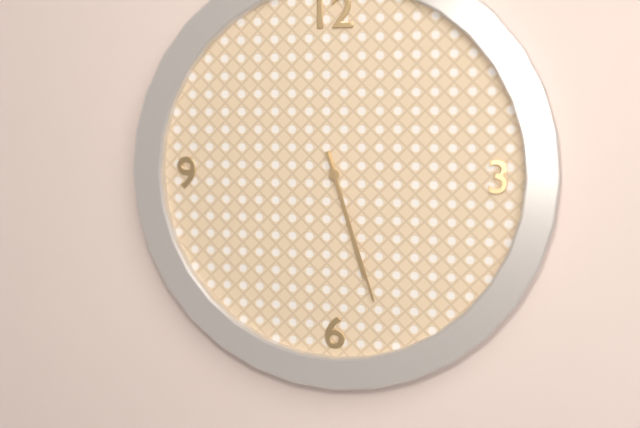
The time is 5,27
